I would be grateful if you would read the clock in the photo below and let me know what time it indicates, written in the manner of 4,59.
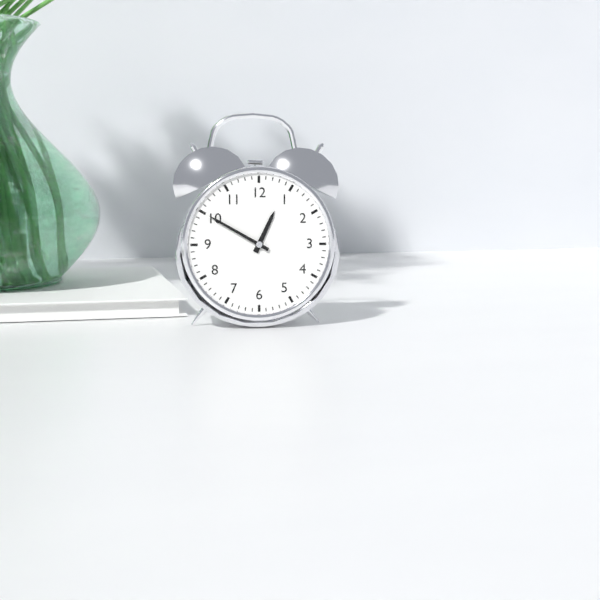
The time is 12,50
